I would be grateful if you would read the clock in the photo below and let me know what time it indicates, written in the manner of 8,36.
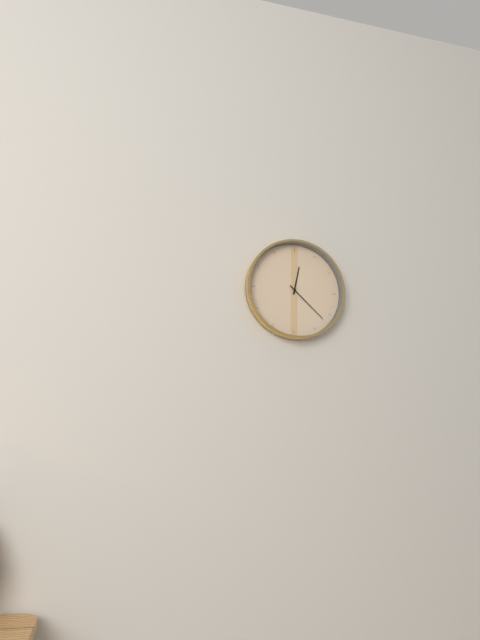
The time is 12,22
